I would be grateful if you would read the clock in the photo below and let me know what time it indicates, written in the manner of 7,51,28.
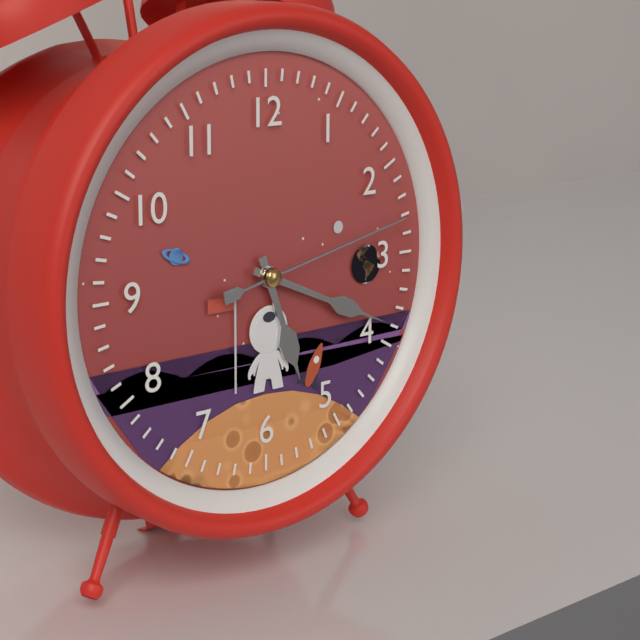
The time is 5,19,13
